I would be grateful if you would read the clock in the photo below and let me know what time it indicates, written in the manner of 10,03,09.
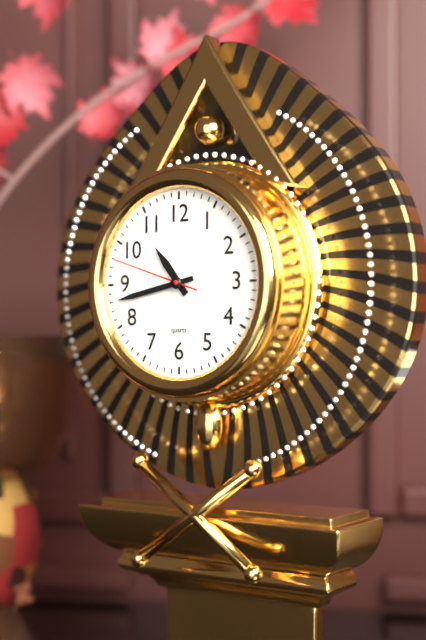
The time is 10,43,48
